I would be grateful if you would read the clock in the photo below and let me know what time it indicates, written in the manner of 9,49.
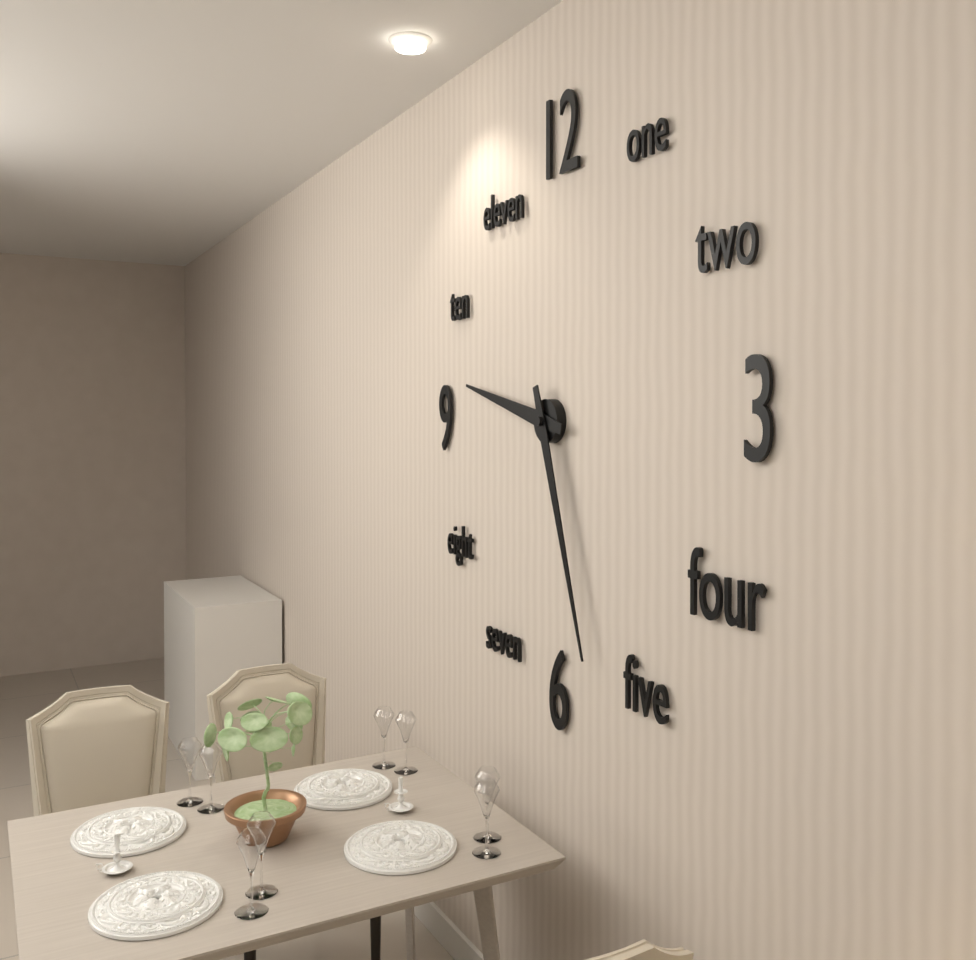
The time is 9,27
